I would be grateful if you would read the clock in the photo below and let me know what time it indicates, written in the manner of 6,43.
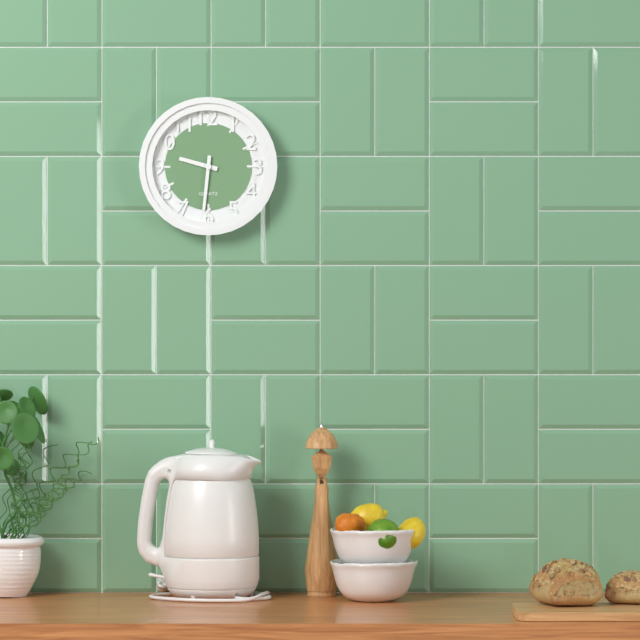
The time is 9,31
